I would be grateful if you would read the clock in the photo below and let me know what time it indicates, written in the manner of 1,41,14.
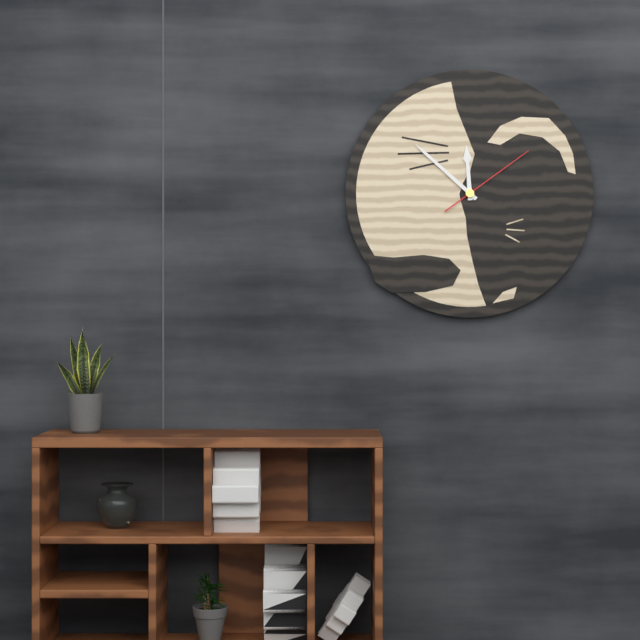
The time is 11,52,09
